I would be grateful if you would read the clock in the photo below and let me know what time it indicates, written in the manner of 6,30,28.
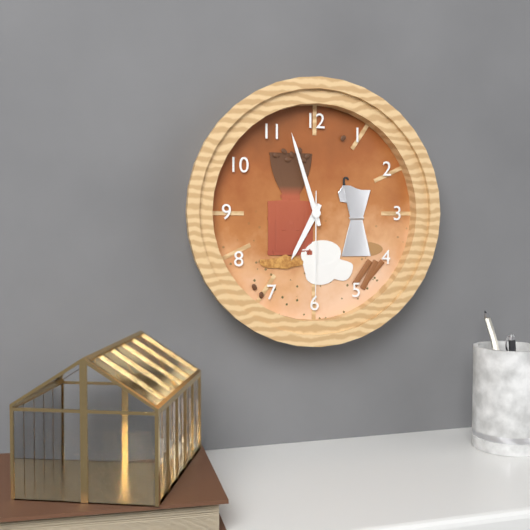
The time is 6,57,30
